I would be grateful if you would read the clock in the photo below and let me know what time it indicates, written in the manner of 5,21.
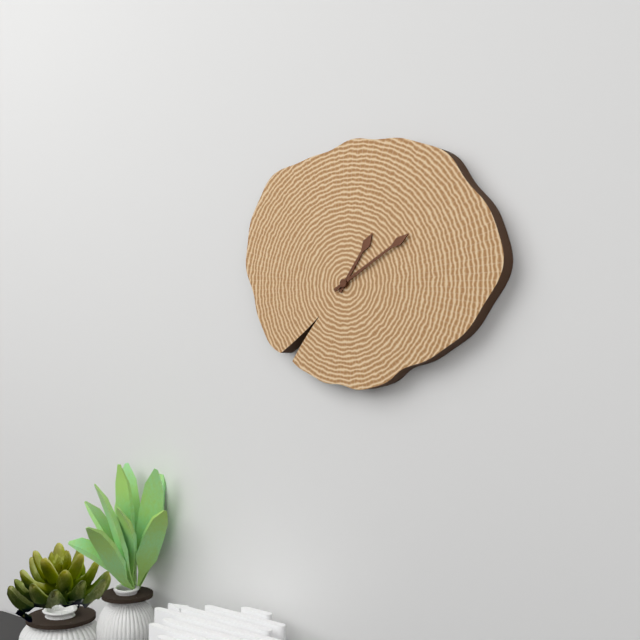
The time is 1,10
